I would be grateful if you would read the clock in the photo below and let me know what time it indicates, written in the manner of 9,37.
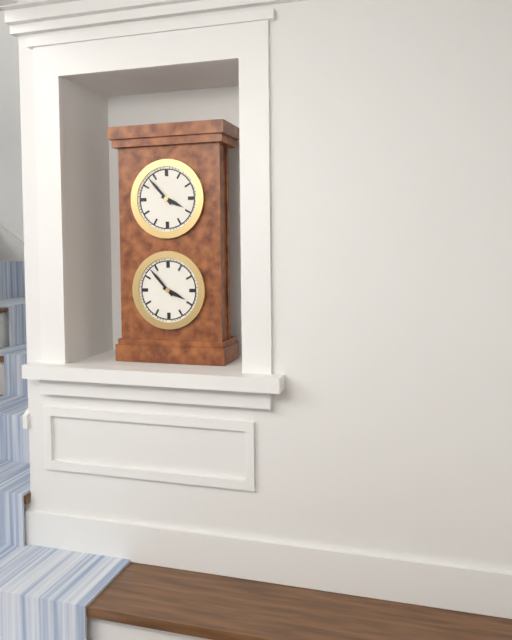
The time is 3,53
